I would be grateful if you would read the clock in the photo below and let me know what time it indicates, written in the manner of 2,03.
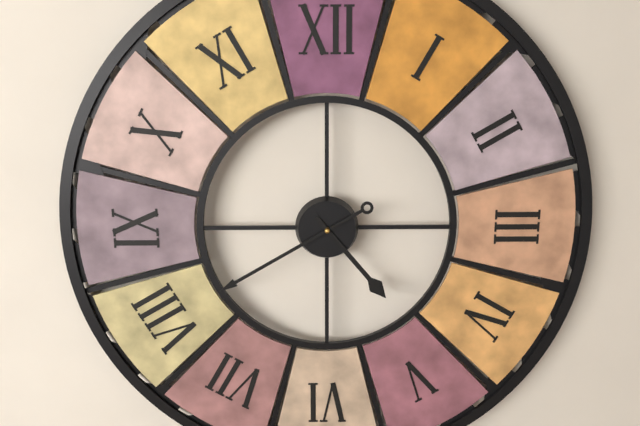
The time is 4,40
